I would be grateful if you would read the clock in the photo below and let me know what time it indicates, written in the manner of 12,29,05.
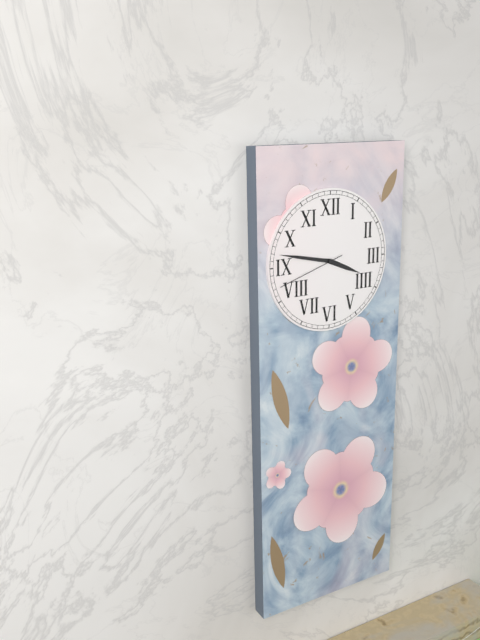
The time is 3,47,42
